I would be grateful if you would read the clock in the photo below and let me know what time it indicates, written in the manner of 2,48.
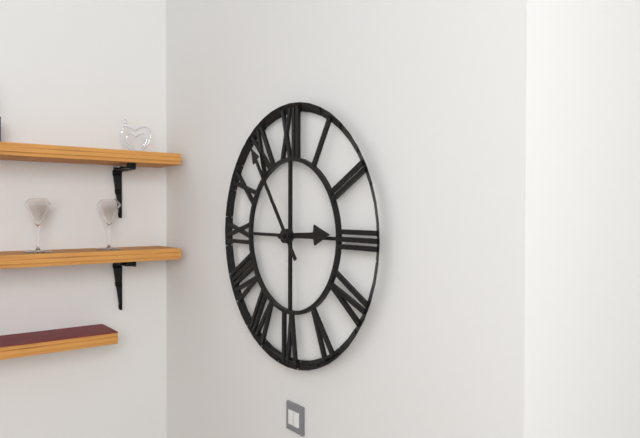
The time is 2,54
